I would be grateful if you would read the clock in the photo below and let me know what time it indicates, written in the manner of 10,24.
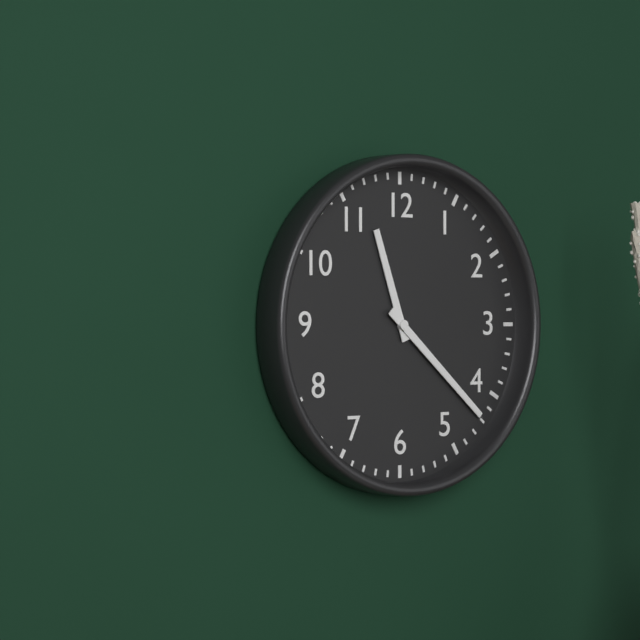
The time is 11,22
